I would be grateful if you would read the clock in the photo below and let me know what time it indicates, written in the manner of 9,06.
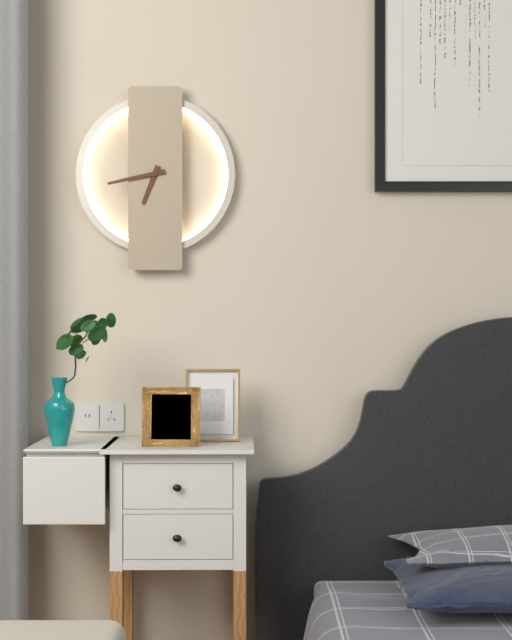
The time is 6,43
